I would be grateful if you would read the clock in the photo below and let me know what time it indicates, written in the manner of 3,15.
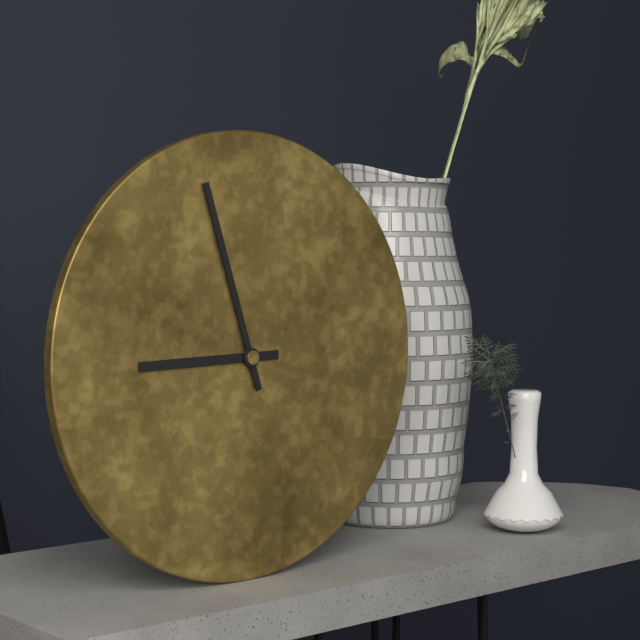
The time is 8,57
